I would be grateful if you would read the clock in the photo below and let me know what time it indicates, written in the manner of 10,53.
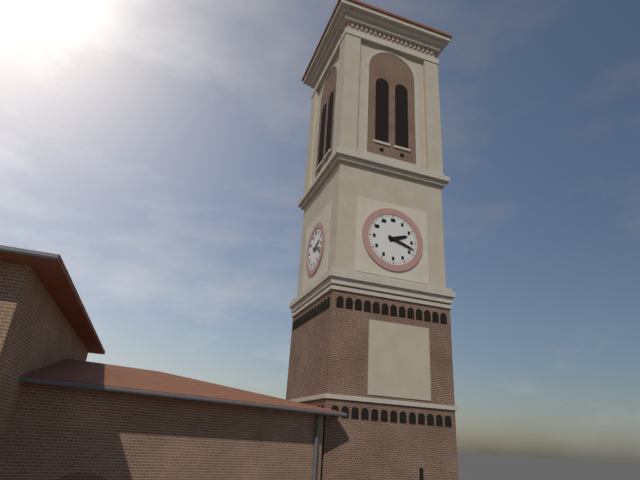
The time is 2,18
